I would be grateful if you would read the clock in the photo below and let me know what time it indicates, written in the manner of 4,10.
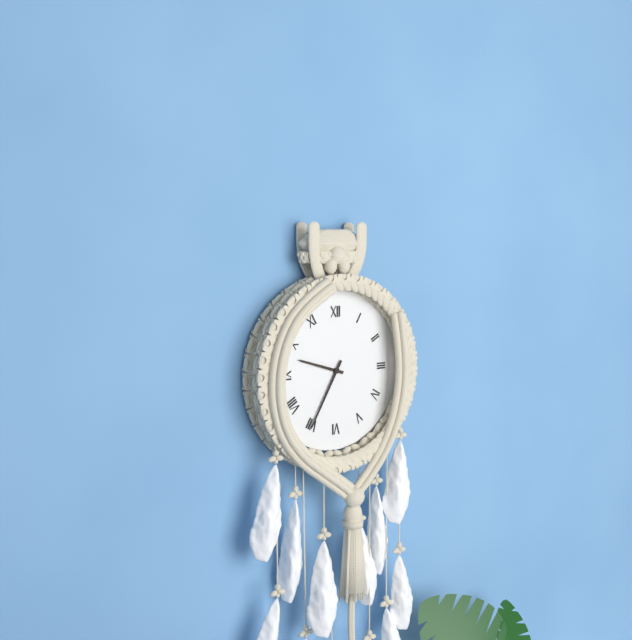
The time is 9,35
